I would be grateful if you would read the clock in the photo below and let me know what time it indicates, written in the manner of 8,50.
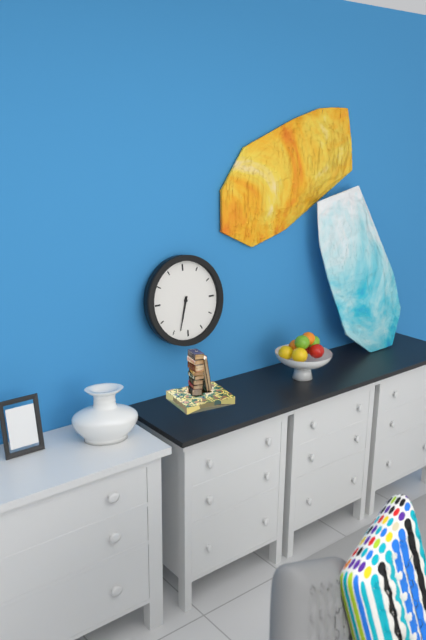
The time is 6,33
